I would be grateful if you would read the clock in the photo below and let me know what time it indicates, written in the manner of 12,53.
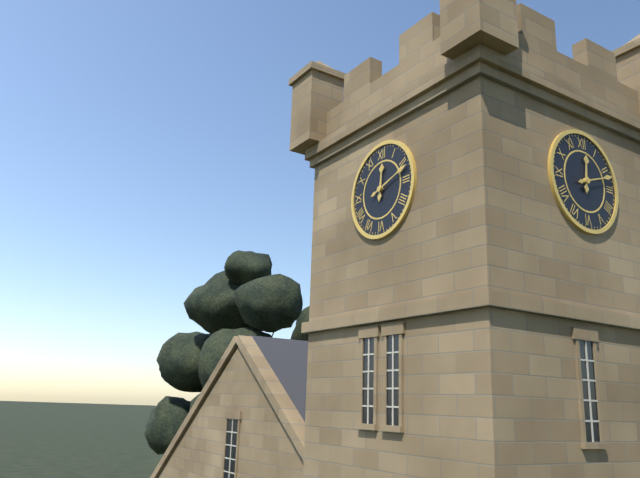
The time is 12,12
